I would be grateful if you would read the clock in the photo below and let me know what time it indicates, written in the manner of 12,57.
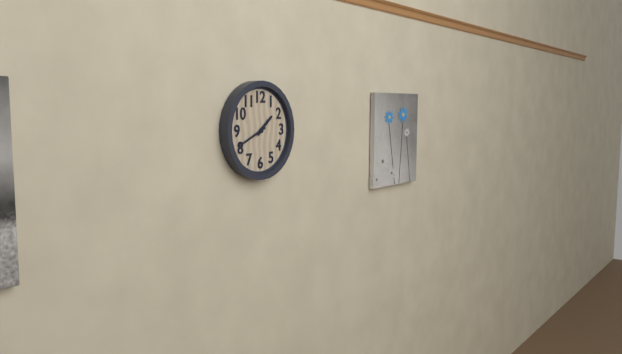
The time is 1,41
